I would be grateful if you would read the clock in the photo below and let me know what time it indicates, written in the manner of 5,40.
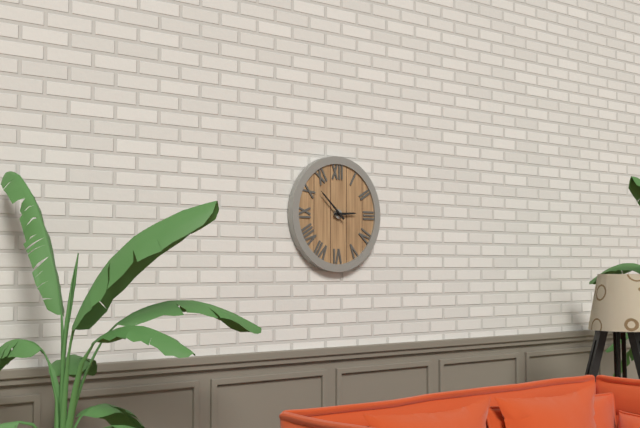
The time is 2,52
